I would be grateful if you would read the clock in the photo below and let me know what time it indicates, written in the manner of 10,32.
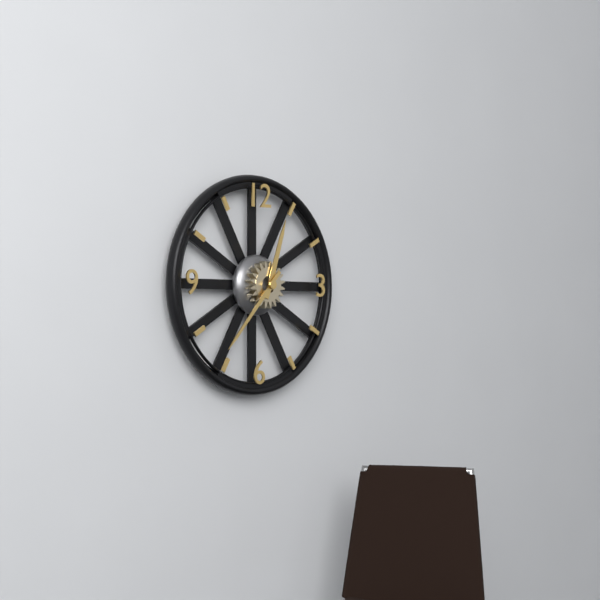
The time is 12,37
